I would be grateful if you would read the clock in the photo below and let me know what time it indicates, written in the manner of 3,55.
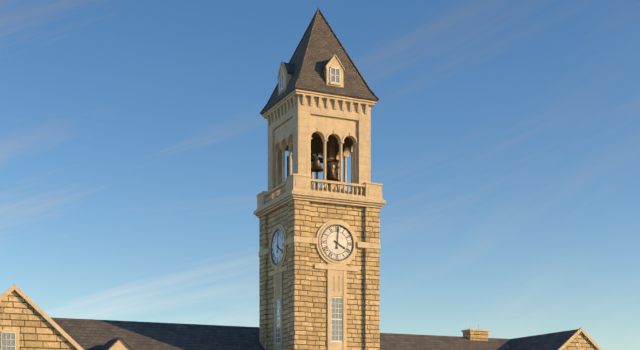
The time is 4,01
